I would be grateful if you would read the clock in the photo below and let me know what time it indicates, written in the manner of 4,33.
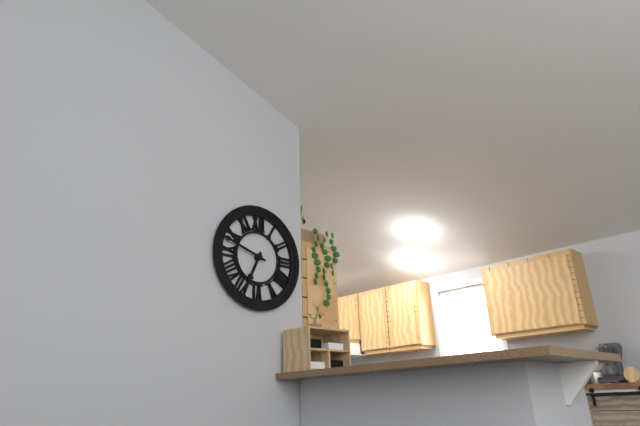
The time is 6,48
